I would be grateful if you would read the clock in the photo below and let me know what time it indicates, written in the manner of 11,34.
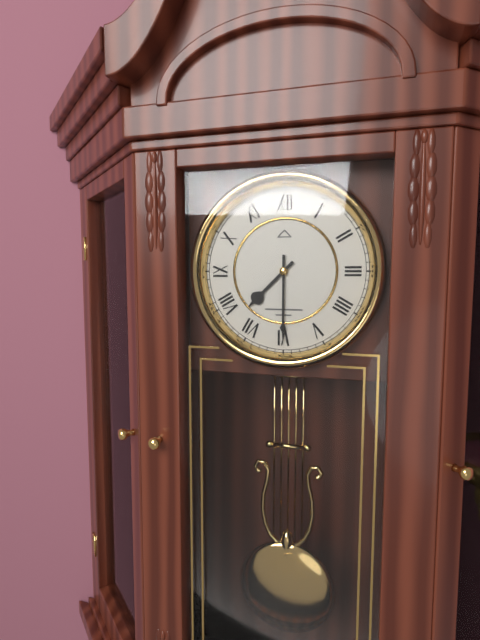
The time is 7,30
